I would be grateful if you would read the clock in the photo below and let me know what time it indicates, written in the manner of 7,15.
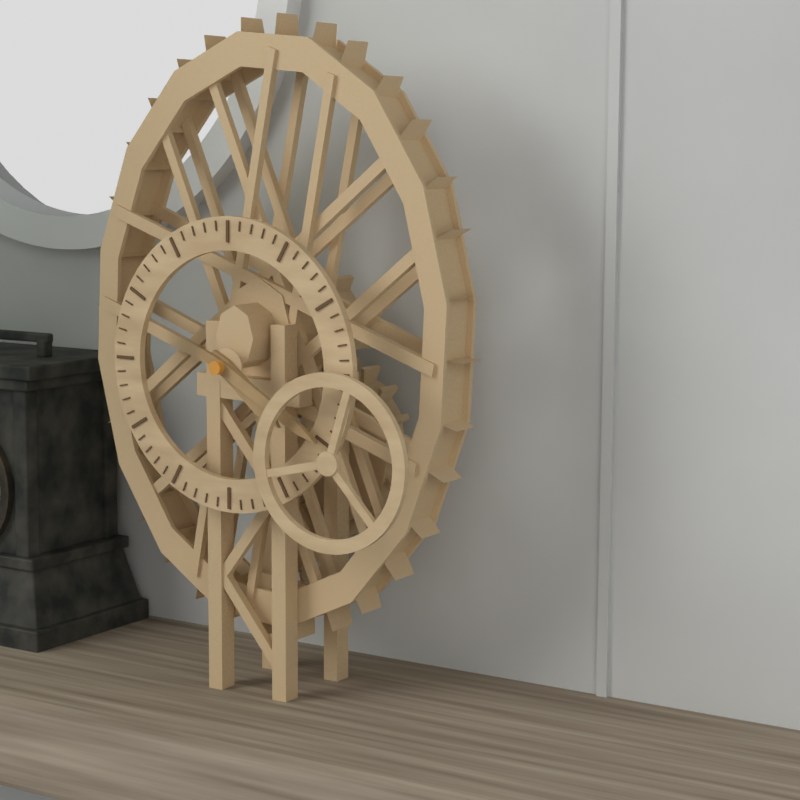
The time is 4,20
